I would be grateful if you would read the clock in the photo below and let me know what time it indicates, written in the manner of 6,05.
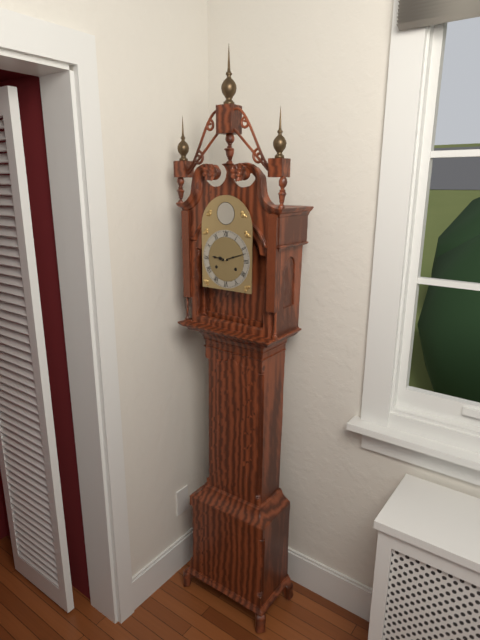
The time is 9,12
